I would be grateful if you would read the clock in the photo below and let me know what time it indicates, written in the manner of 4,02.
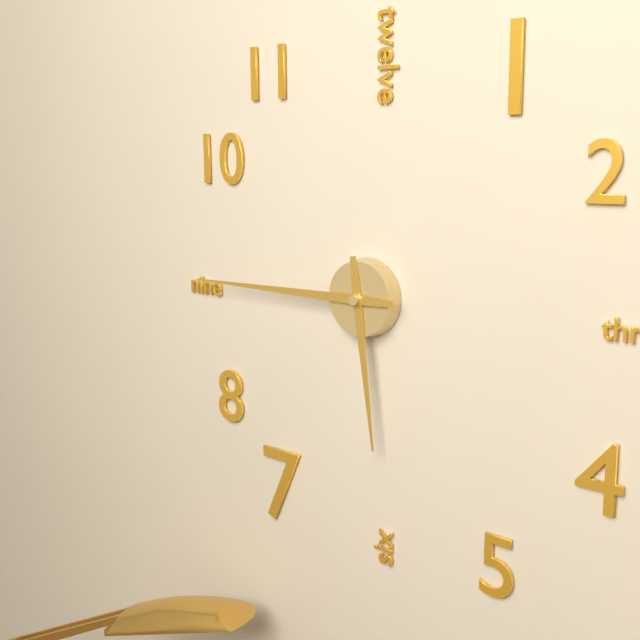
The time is 5,45
